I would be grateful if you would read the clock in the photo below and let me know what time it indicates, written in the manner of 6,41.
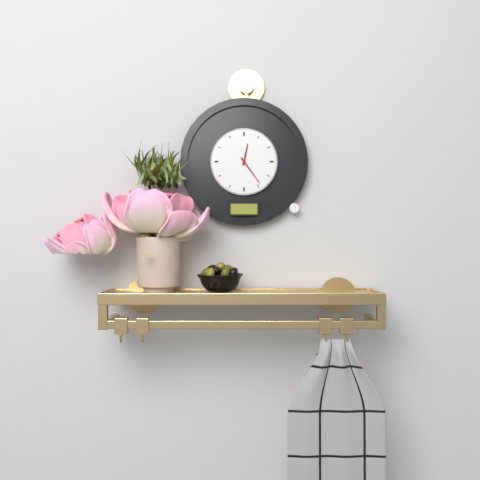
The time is 12,24
